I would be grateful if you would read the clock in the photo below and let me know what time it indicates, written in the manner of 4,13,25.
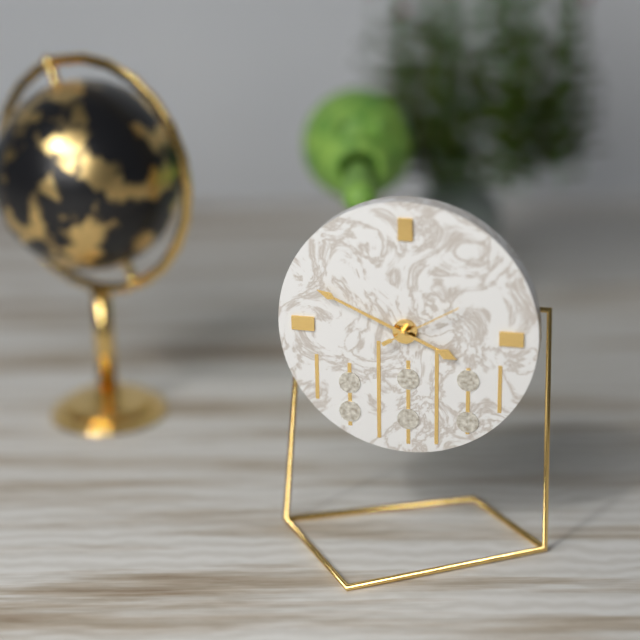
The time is 3,49,10
